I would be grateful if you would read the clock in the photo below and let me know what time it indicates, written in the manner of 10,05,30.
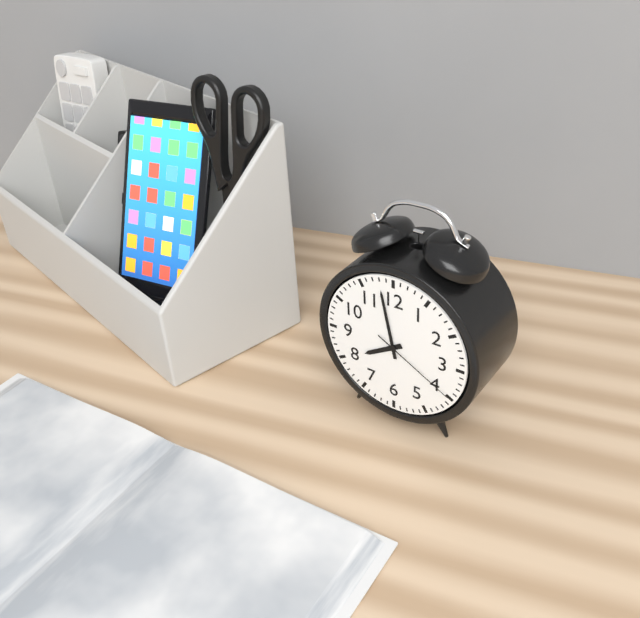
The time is 7,58,20
